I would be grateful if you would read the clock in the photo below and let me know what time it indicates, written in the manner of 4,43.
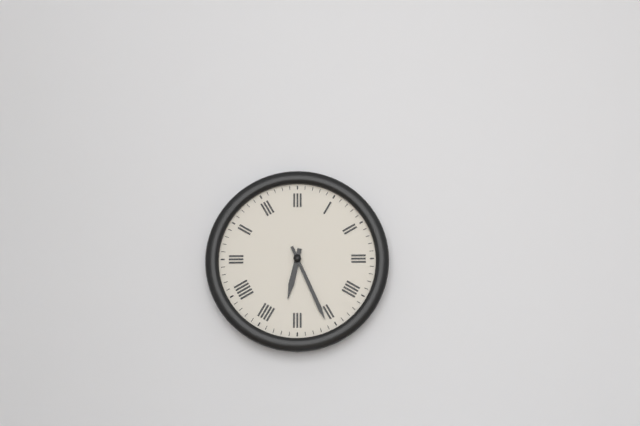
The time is 6,26
